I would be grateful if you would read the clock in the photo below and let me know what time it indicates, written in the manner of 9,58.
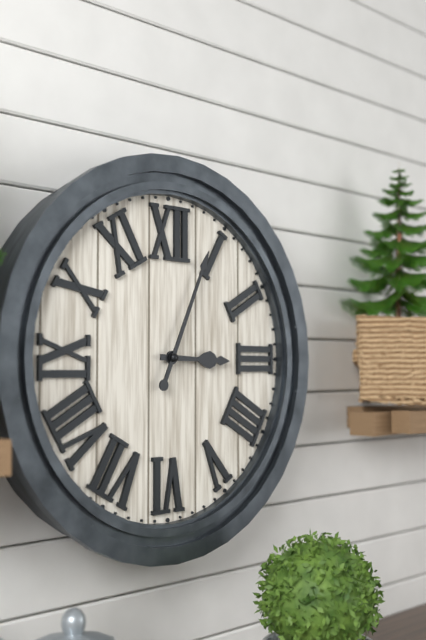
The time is 3,04
